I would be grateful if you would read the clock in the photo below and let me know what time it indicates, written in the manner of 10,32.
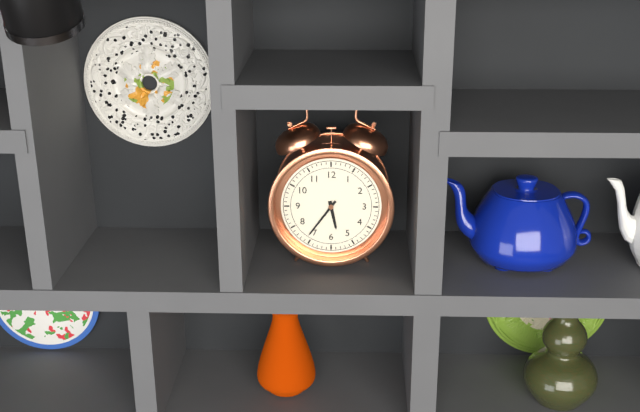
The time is 5,36
